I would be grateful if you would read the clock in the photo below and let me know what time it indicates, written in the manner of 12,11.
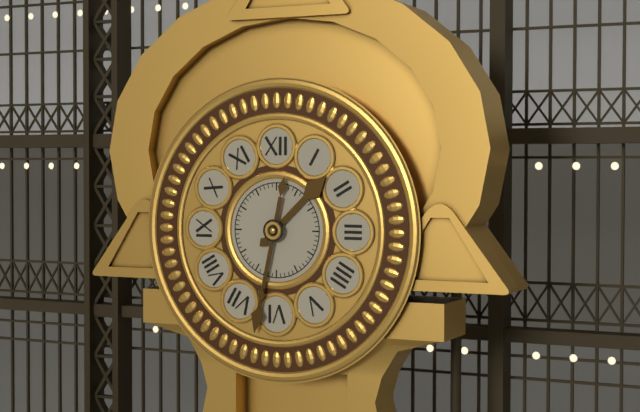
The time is 1,32
